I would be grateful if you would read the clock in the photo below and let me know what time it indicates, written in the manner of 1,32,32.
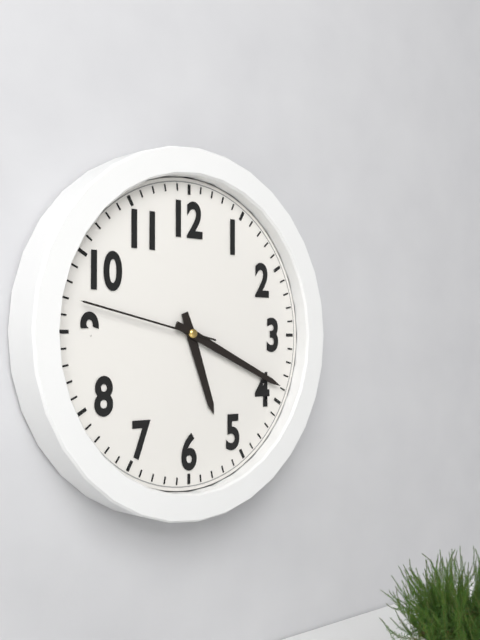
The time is 5,19,47
